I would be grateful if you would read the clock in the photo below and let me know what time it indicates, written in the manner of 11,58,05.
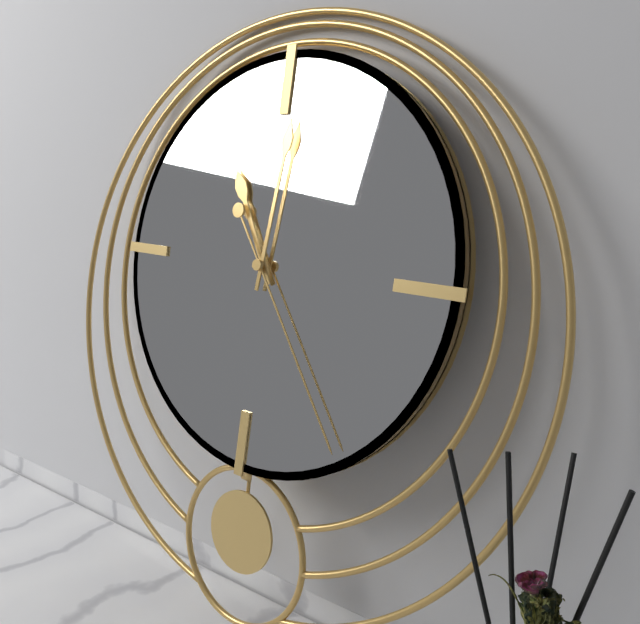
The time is 11,01,24
